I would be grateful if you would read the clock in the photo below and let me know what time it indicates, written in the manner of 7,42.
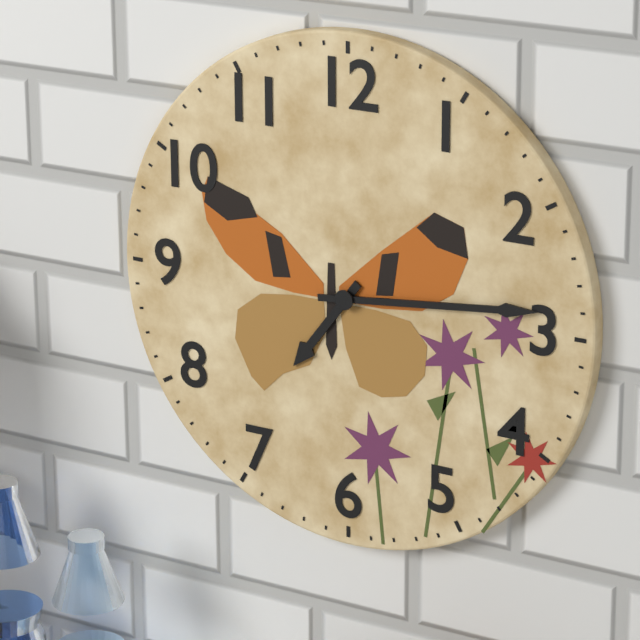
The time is 7,14
